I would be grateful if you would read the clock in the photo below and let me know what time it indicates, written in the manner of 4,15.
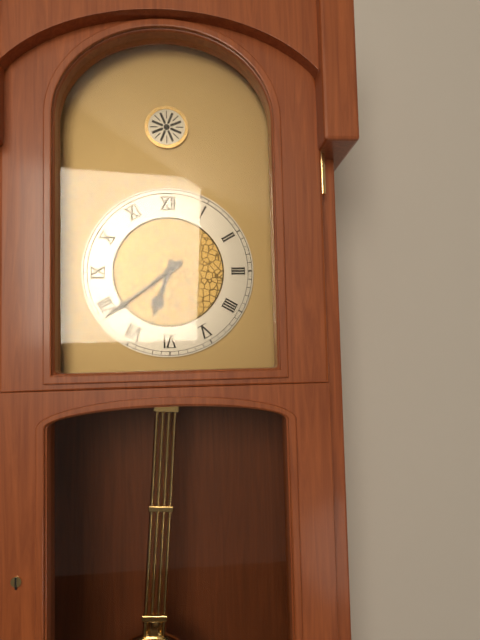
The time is 6,39
